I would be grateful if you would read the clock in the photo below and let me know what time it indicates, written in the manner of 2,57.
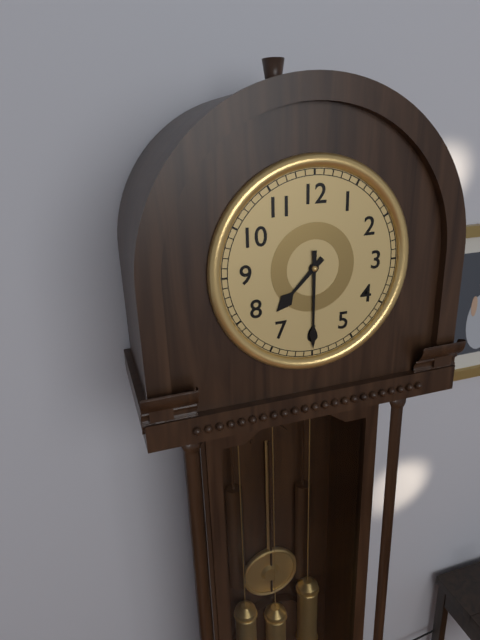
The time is 7,30
